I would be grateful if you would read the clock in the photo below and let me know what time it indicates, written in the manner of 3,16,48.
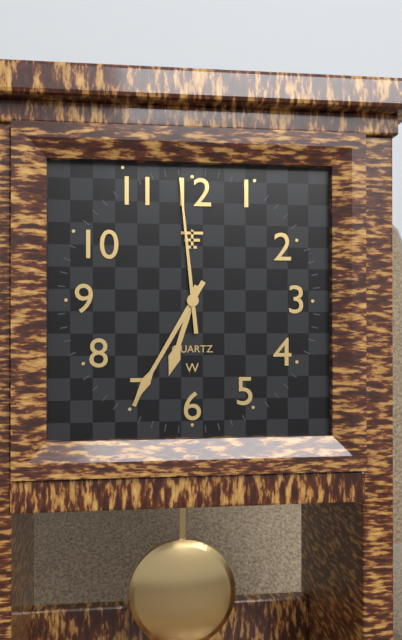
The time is 6,35,59
